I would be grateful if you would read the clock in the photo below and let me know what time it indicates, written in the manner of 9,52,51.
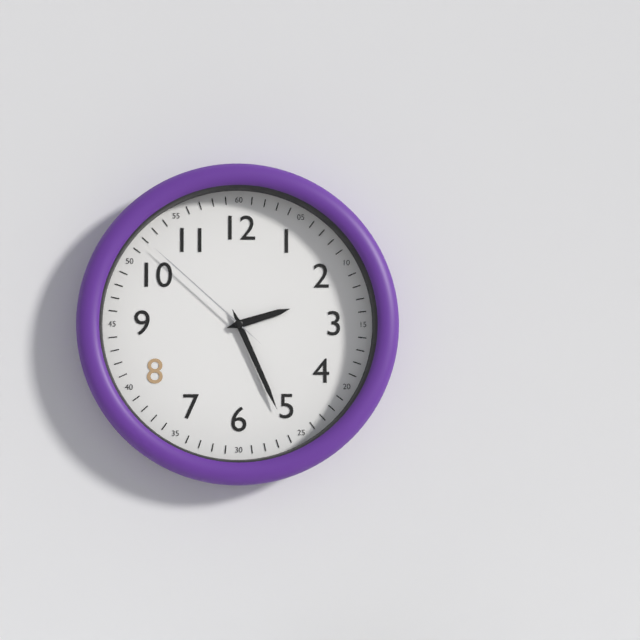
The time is 2,26,52
